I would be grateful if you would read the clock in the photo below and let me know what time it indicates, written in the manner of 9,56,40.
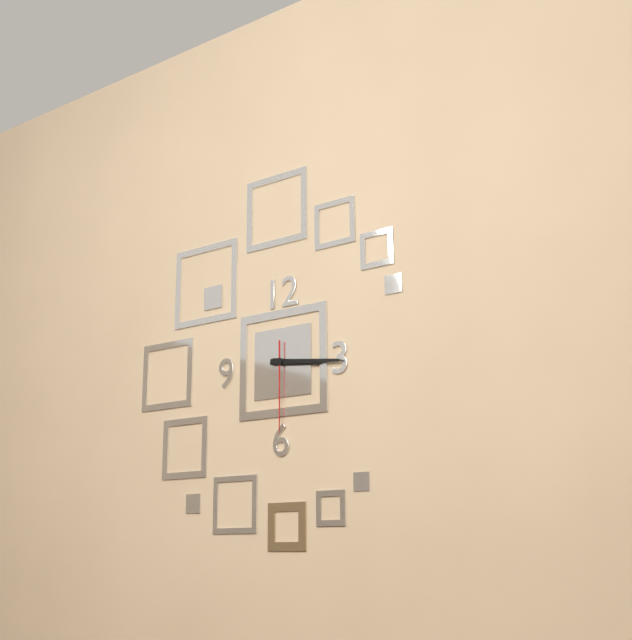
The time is 3,16,30
